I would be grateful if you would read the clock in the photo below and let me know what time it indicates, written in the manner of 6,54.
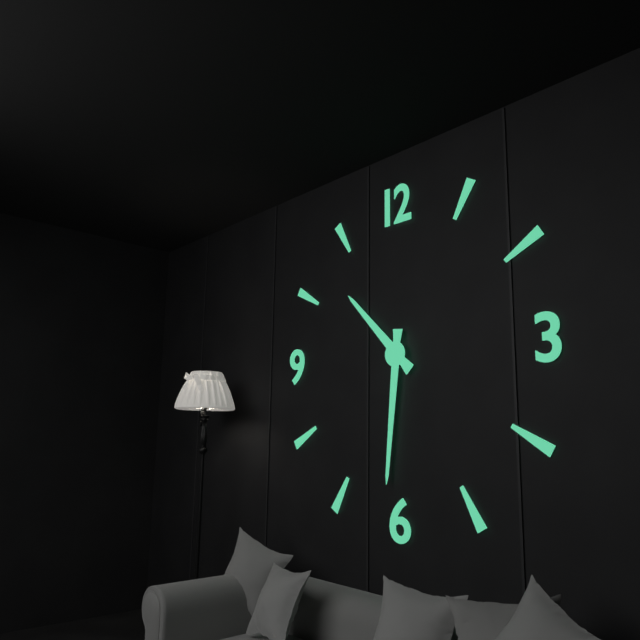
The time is 10,31
